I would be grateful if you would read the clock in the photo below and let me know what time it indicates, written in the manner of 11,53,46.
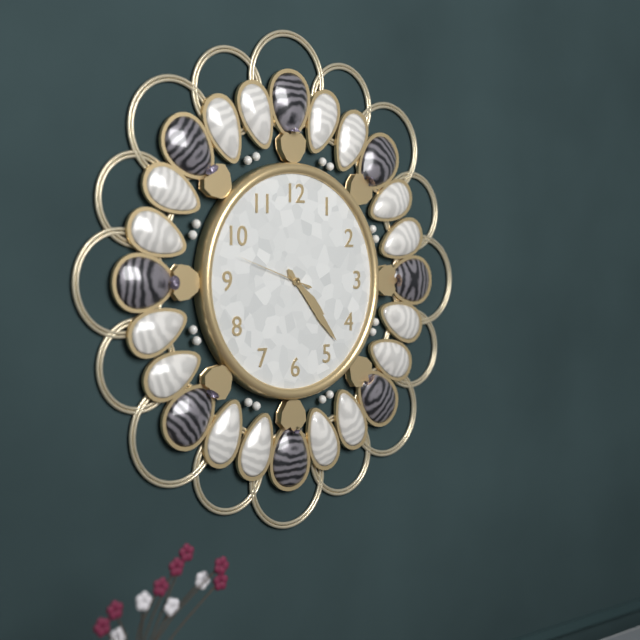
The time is 4,23,48
